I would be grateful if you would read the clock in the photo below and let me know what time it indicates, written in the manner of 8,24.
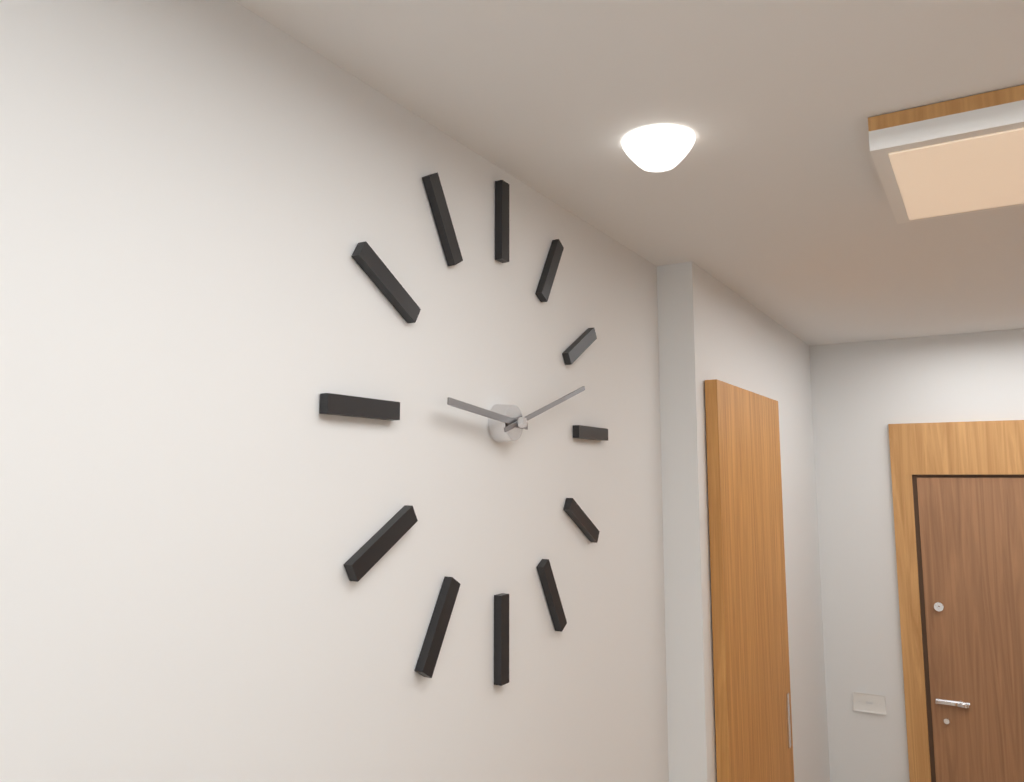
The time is 9,12
